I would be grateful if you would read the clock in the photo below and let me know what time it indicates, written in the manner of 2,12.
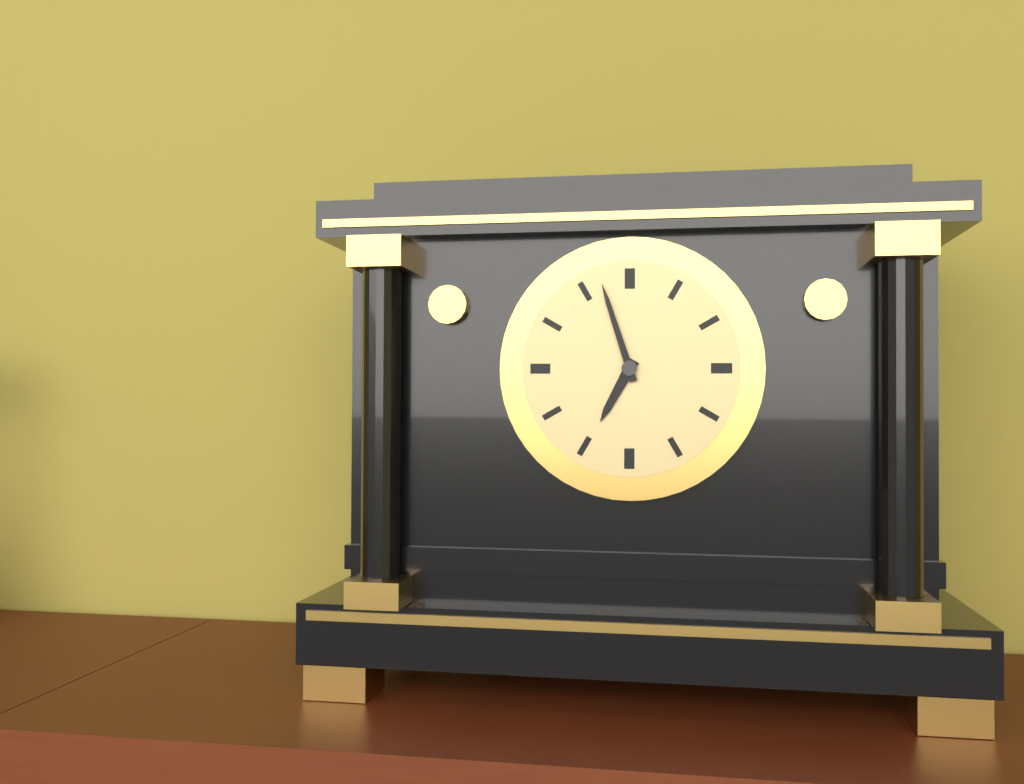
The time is 6,57
